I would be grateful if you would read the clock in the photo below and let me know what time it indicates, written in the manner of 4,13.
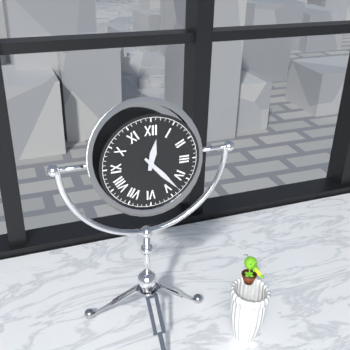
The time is 12,23
